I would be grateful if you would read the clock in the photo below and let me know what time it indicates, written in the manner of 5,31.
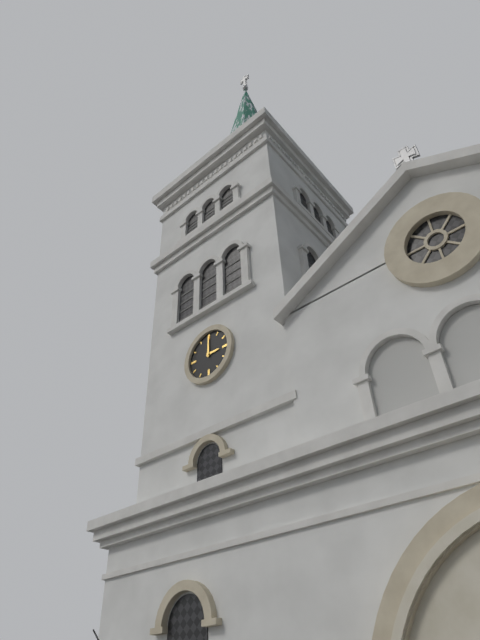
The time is 3,00
